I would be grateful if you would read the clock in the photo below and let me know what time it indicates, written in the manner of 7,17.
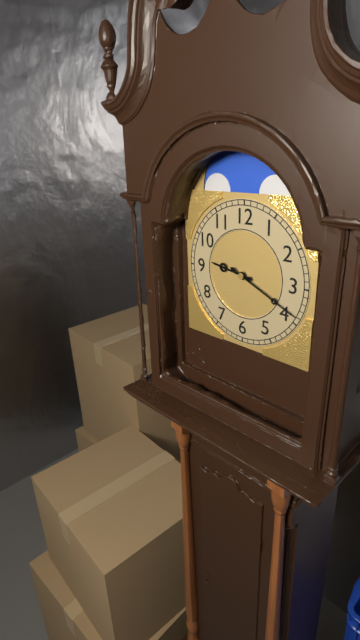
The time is 9,19
